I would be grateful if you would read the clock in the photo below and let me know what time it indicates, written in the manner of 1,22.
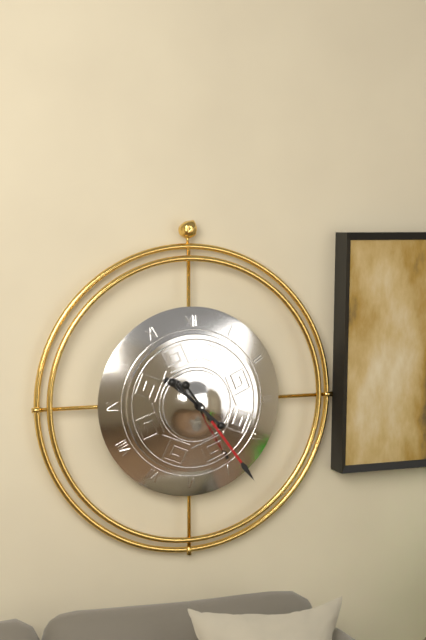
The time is 10,24
